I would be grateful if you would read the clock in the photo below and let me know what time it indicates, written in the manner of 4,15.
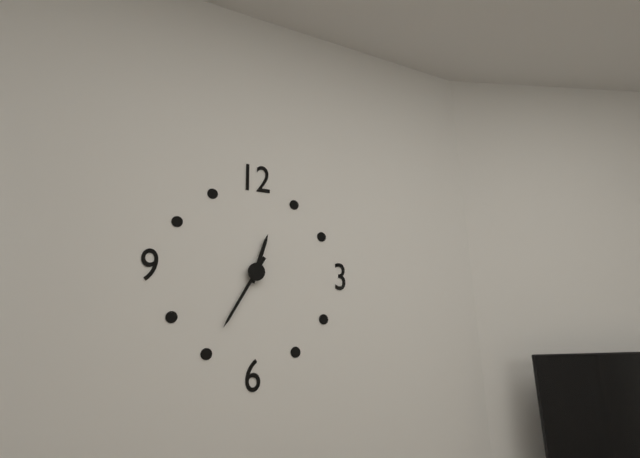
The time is 12,35
